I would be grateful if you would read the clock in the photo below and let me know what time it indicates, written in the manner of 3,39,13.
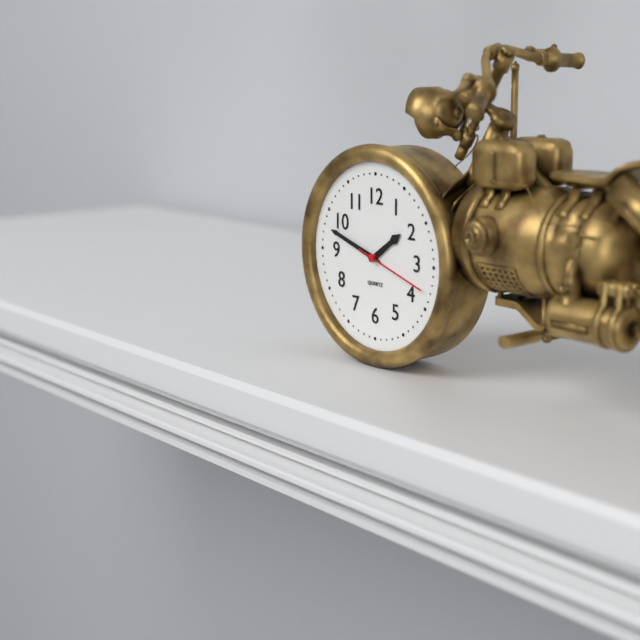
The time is 1,48,18
